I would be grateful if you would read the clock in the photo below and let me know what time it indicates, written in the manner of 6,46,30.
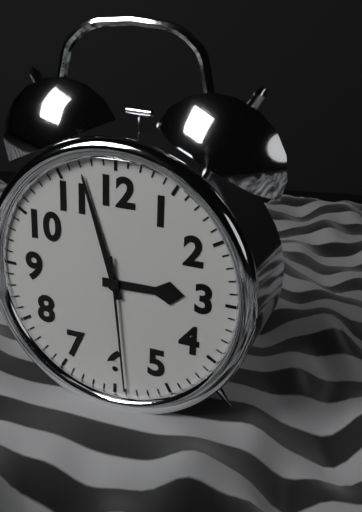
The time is 2,57,29
